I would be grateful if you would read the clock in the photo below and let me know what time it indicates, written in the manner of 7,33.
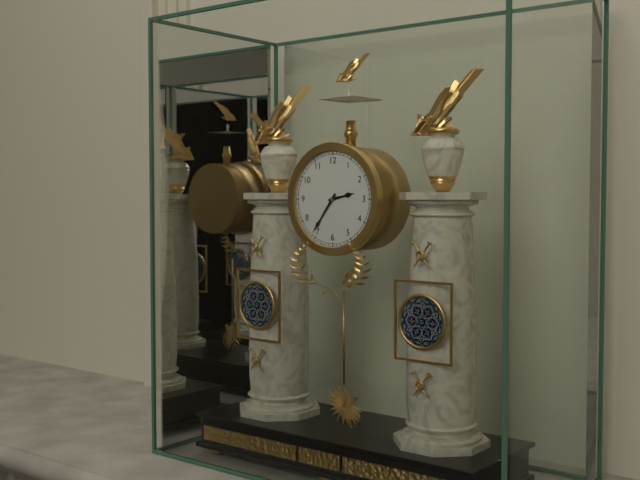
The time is 2,36
